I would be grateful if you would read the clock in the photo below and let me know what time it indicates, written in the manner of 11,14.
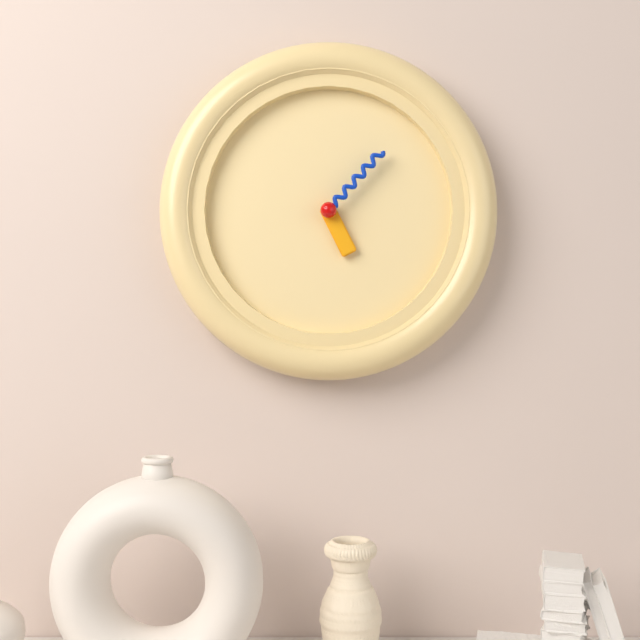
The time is 5,07
